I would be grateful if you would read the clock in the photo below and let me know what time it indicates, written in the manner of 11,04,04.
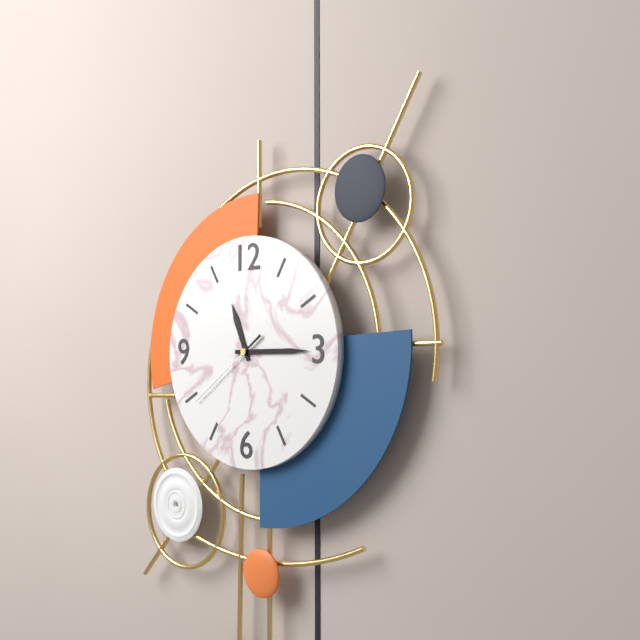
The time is 11,15,39
